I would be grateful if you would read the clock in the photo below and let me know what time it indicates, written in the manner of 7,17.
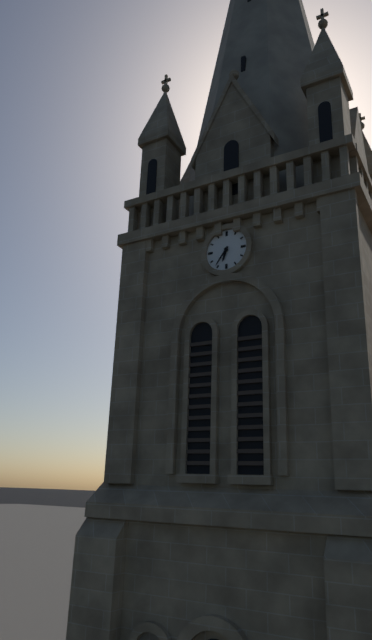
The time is 6,36
